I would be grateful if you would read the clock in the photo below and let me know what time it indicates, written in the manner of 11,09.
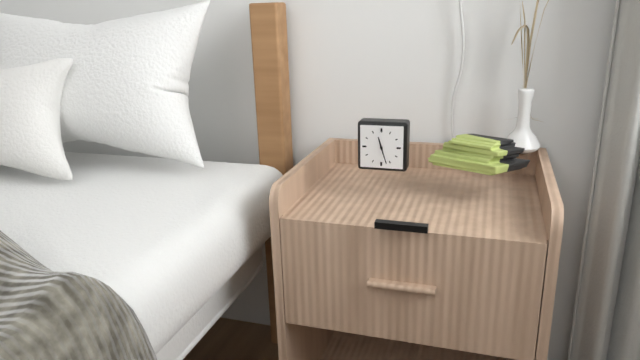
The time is 11,27
